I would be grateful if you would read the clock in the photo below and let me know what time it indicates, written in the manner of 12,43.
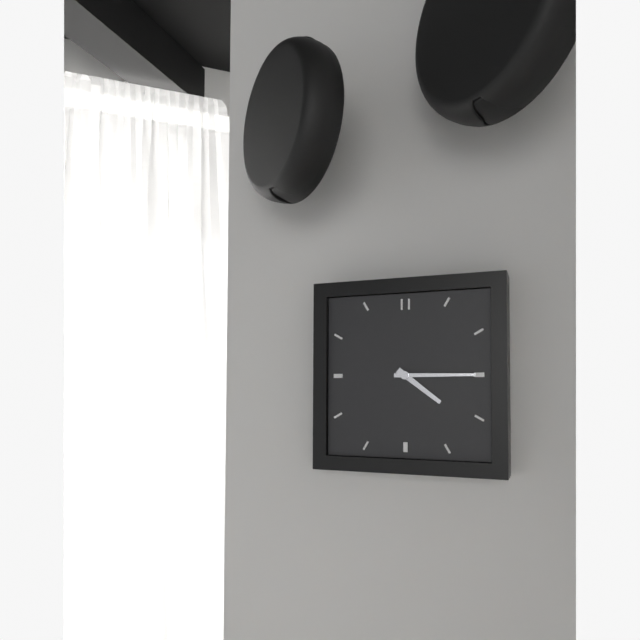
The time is 4,15
